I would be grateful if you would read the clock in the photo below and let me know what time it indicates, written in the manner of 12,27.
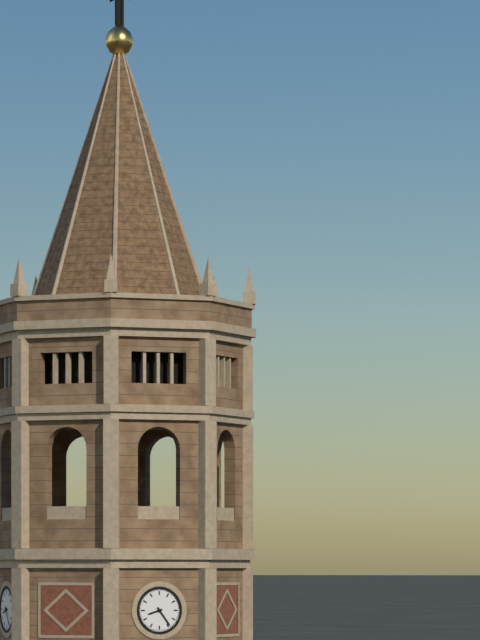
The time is 8,24
